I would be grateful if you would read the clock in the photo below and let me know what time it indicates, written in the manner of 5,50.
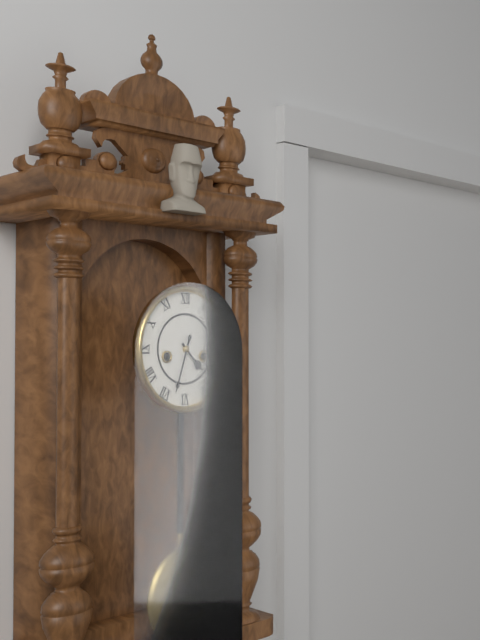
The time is 4,33
